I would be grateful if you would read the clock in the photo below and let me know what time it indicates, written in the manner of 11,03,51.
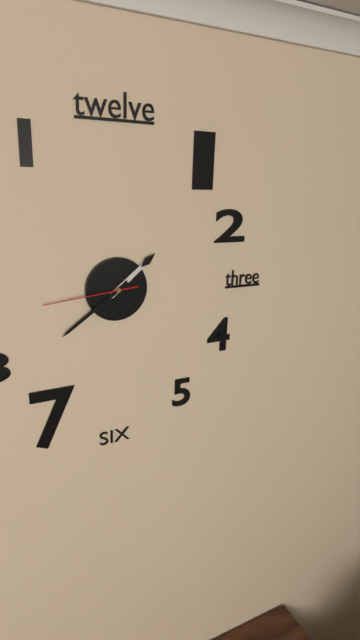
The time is 1,39,44
